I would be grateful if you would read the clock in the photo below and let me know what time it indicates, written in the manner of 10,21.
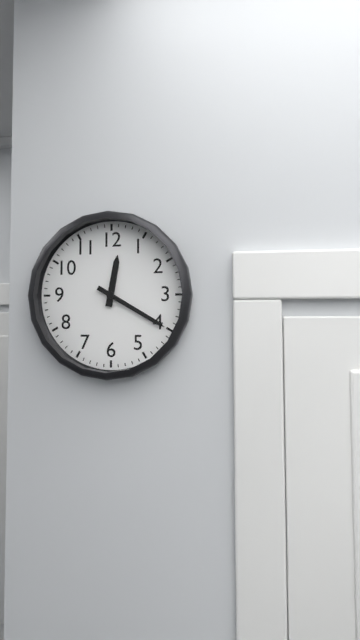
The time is 12,20
